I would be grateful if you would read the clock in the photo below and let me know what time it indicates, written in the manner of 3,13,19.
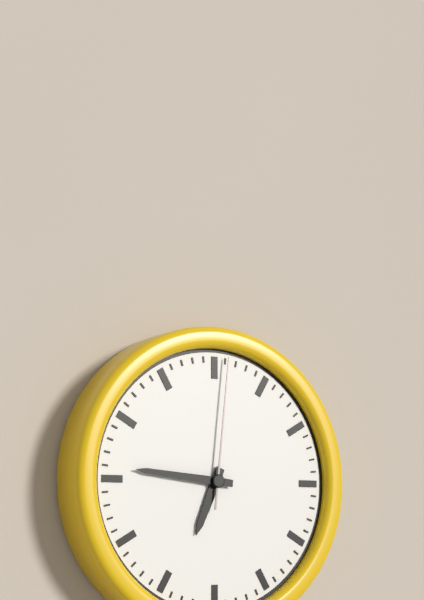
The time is 6,46,01
